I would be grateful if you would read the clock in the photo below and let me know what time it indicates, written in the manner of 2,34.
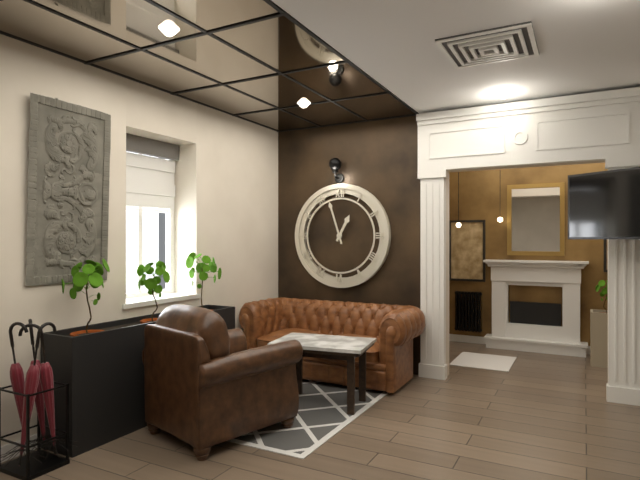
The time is 12,57
